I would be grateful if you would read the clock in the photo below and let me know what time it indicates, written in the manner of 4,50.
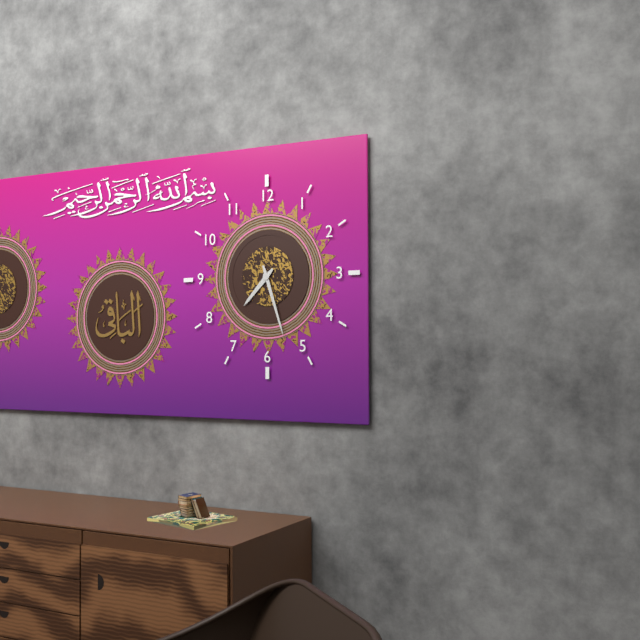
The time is 7,27
